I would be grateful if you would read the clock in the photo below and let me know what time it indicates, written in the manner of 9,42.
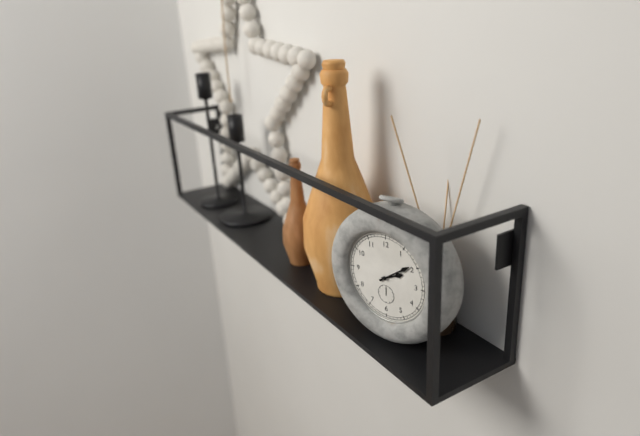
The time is 2,09
